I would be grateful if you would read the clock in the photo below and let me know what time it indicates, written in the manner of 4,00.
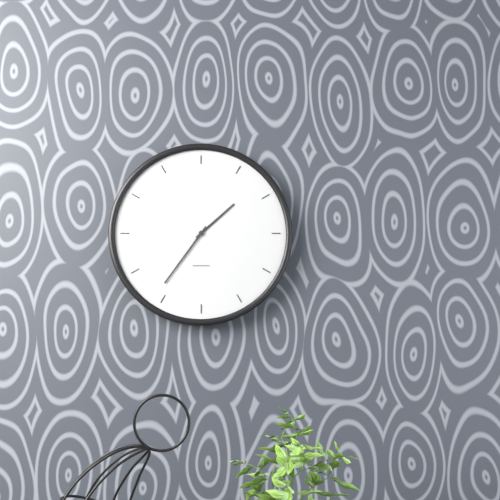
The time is 1,36
